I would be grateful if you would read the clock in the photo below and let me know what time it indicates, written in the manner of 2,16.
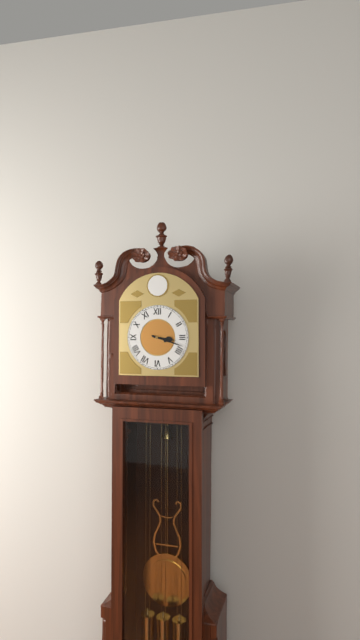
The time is 3,18
